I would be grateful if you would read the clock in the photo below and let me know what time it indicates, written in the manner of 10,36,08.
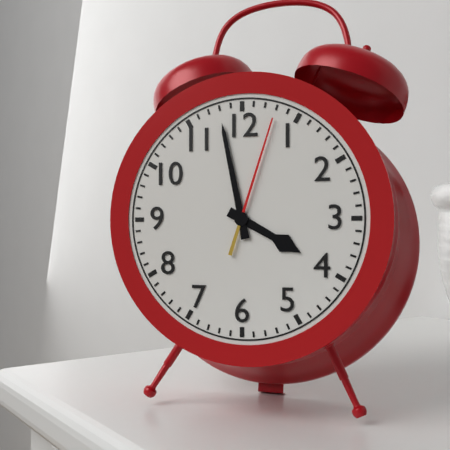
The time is 3,58,03
